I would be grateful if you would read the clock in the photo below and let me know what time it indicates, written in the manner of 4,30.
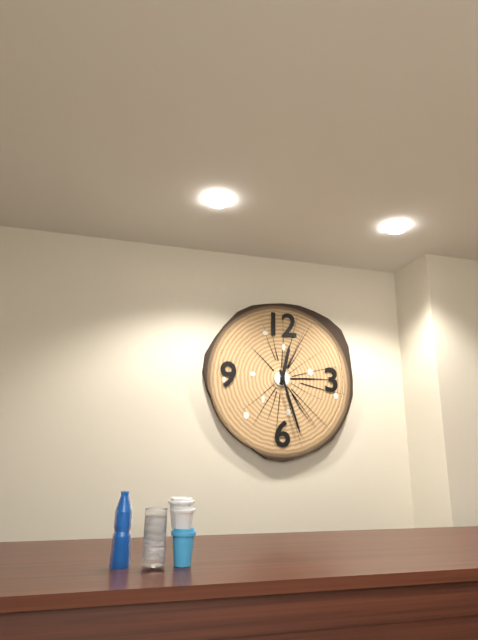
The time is 12,27
